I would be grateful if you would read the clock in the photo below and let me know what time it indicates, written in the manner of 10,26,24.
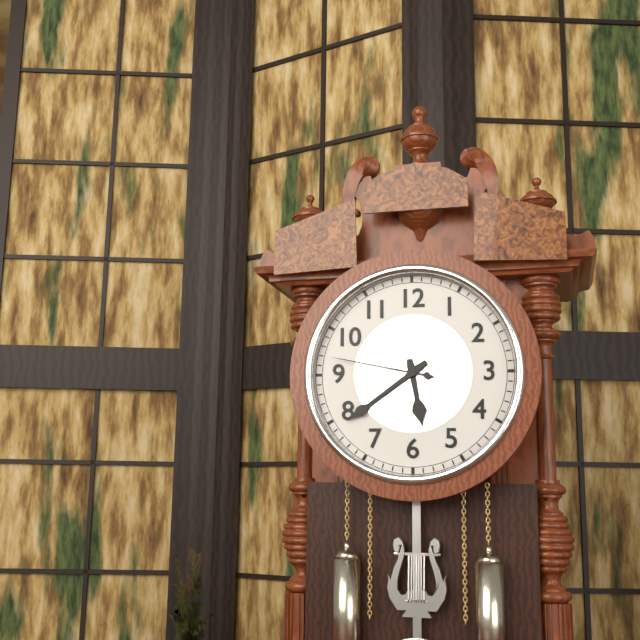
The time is 5,39,47
